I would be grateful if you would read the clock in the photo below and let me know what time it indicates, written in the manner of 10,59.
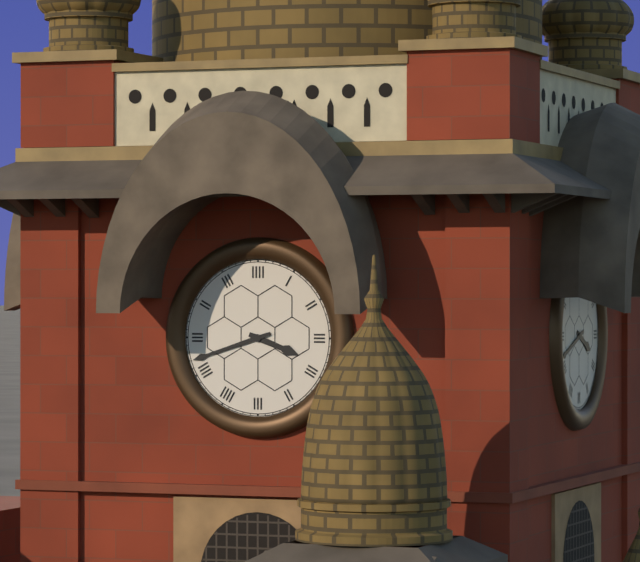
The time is 3,42
